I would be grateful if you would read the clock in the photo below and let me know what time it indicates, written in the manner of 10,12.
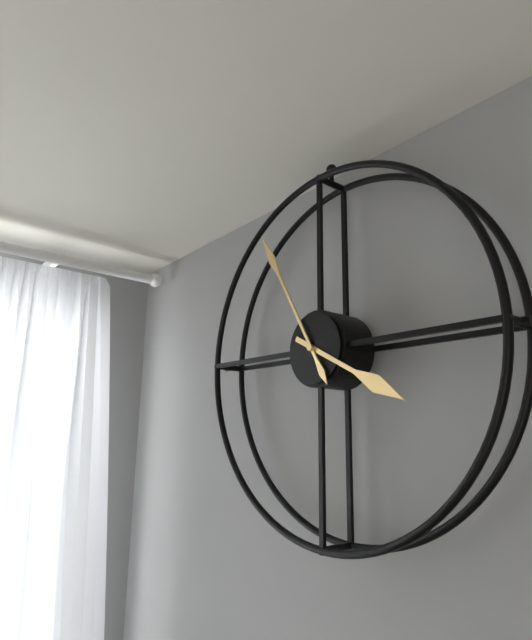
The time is 3,55
